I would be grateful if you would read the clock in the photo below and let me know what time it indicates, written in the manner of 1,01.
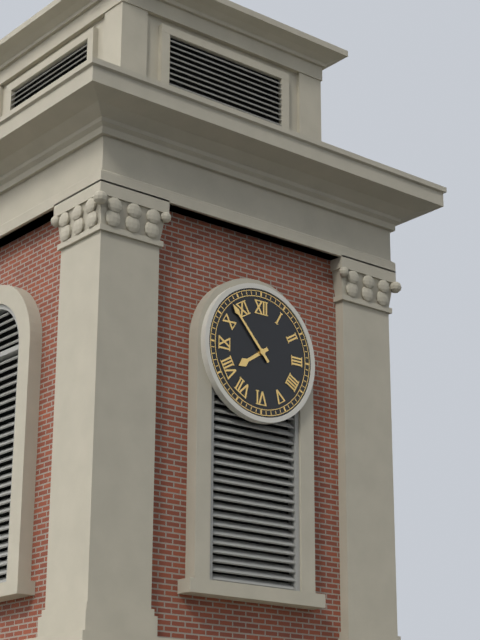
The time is 7,53
